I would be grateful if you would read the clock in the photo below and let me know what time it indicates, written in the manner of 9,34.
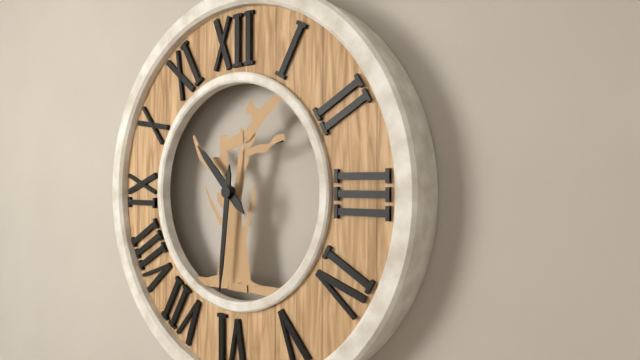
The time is 10,31
